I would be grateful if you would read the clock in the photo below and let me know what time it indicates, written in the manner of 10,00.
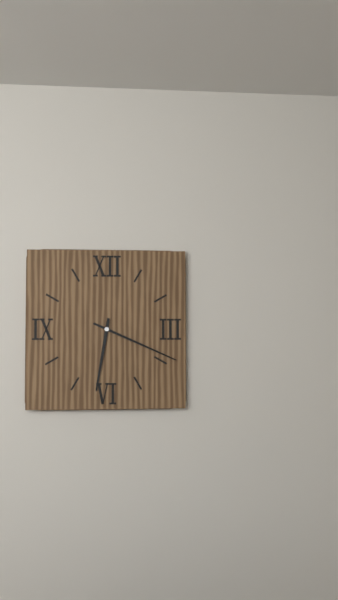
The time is 6,19
